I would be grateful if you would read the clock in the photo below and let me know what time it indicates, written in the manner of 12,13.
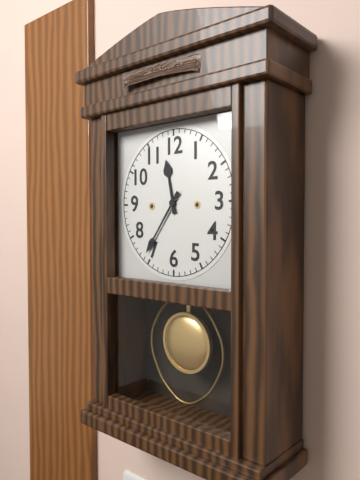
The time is 11,36
